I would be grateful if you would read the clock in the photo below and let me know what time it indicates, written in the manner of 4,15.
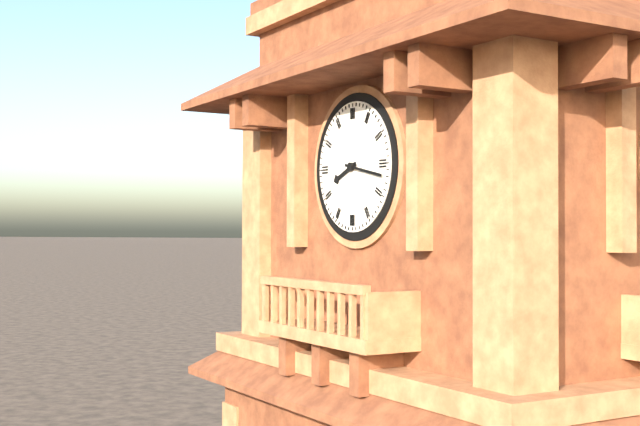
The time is 8,17
